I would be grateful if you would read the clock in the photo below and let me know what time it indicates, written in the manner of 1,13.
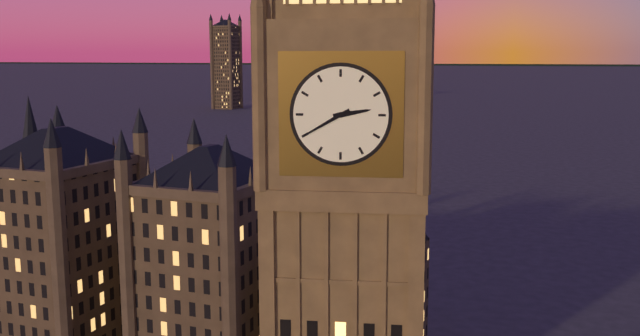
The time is 2,40
